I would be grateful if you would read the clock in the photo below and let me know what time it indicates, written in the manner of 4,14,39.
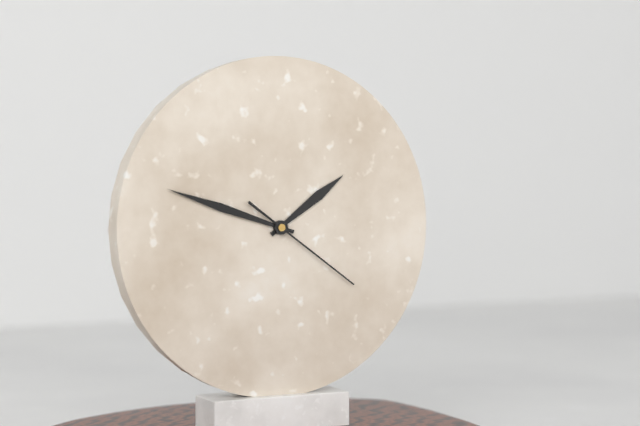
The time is 1,48,21
